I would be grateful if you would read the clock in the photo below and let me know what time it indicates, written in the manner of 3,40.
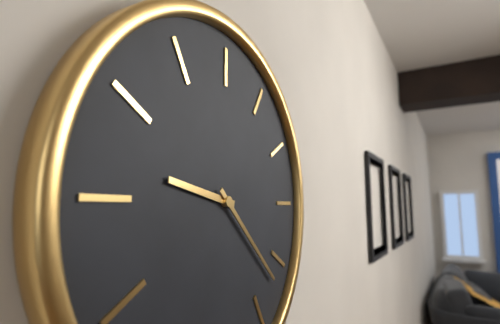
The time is 9,22
